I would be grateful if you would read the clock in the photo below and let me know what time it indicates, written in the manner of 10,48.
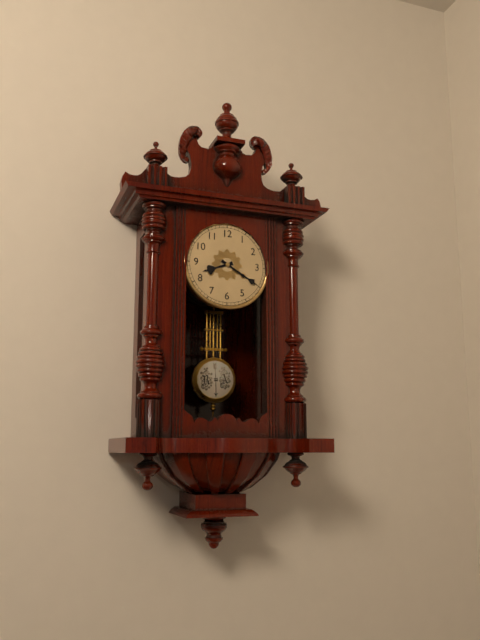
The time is 8,20
